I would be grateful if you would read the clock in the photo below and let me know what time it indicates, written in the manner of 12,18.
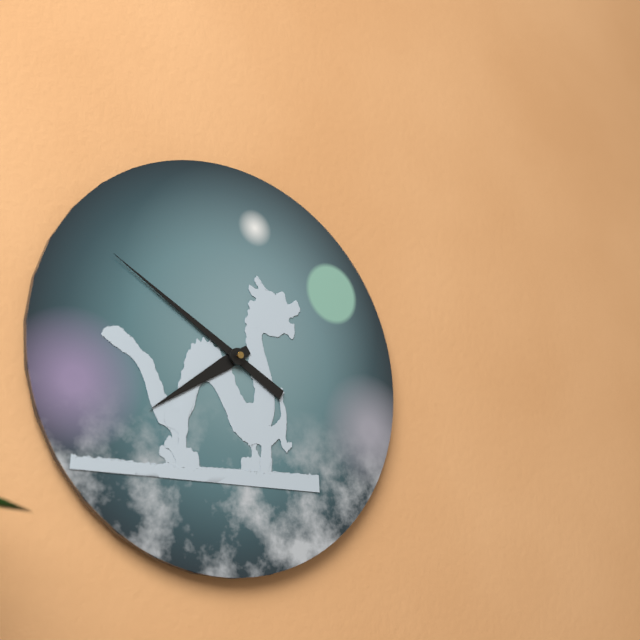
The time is 7,50
